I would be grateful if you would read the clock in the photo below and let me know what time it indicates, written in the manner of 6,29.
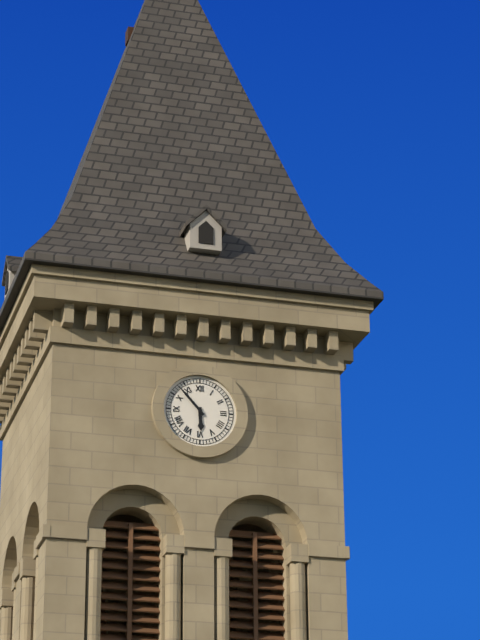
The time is 5,53
